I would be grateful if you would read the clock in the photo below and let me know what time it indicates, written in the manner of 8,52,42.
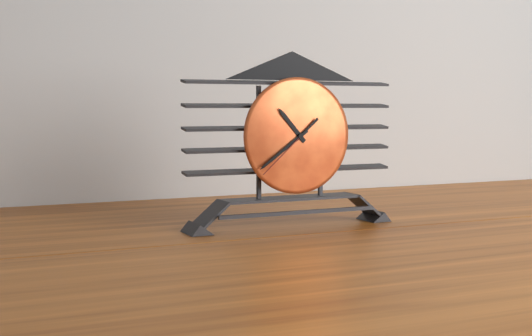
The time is 10,39,38
